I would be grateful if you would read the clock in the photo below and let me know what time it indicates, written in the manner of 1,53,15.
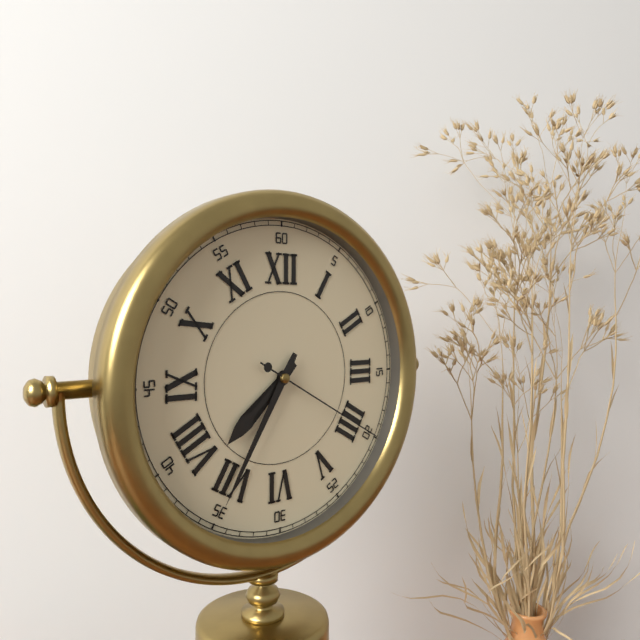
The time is 7,35,20
